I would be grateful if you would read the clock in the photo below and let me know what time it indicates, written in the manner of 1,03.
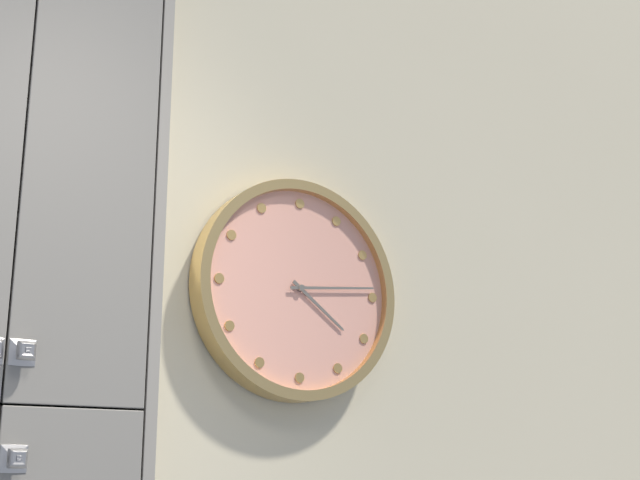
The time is 4,14
